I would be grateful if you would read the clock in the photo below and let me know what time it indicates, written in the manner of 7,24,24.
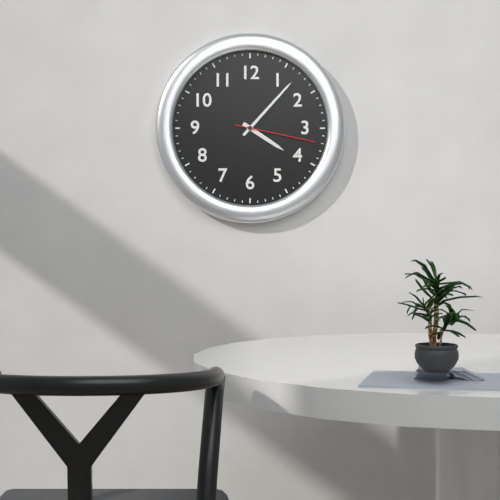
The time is 4,07,17
